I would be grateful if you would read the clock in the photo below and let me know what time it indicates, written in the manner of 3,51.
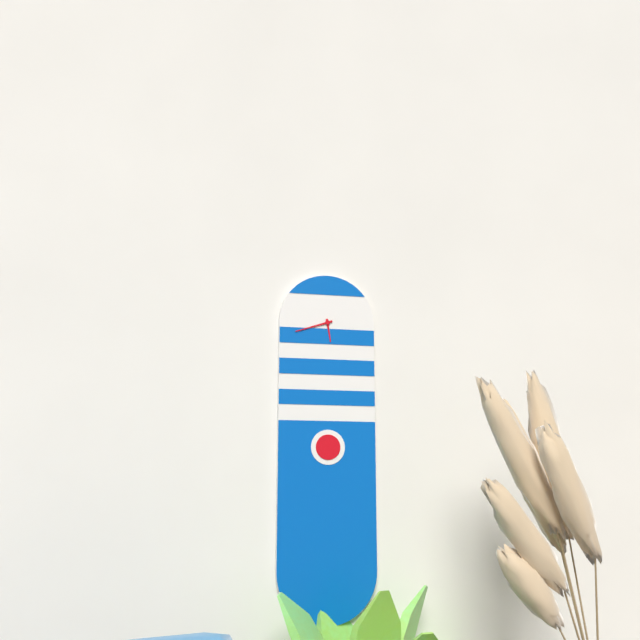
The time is 5,42
